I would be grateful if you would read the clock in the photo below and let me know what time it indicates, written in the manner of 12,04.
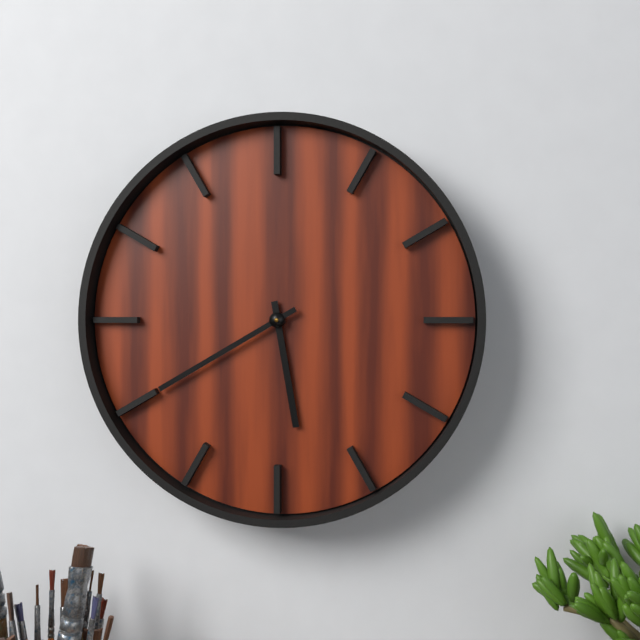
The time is 5,40
